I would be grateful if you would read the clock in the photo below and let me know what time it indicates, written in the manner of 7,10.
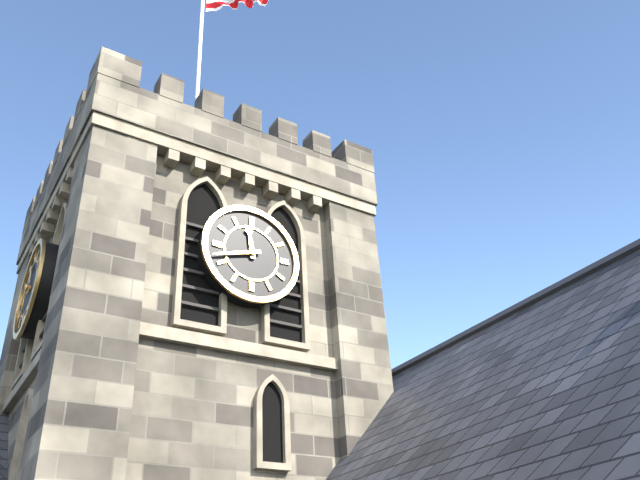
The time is 11,42
